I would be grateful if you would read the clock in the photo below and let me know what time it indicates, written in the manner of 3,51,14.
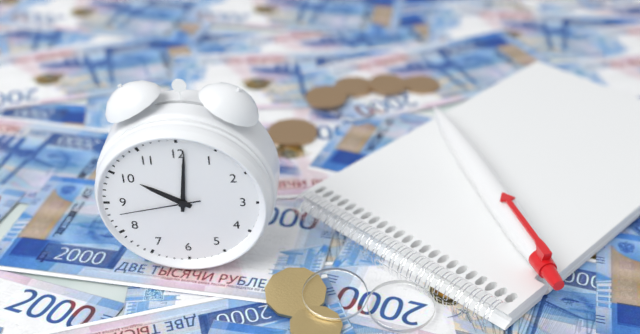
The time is 10,01,43
